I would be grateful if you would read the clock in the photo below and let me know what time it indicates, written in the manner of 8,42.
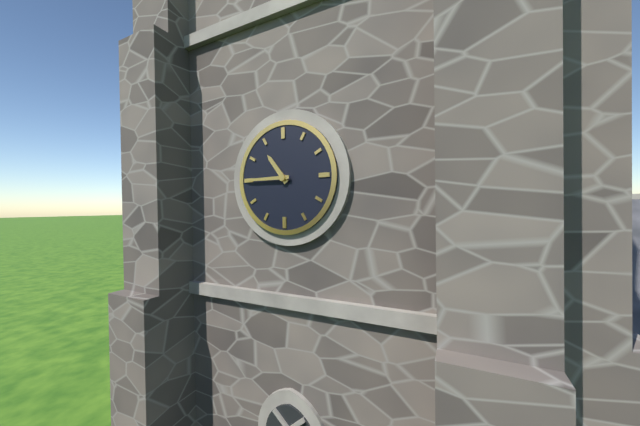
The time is 10,45
